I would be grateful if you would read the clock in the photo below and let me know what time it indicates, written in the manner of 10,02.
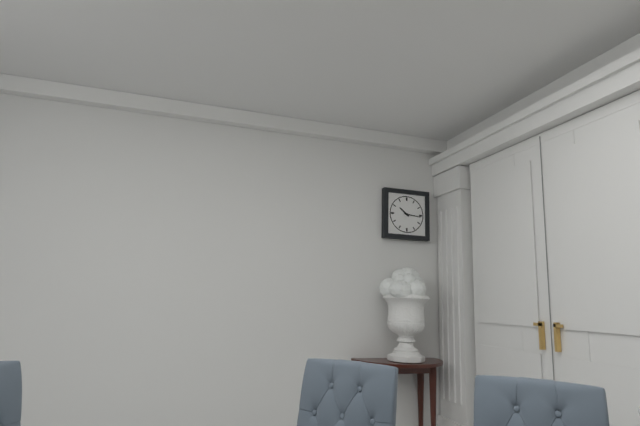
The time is 10,16
